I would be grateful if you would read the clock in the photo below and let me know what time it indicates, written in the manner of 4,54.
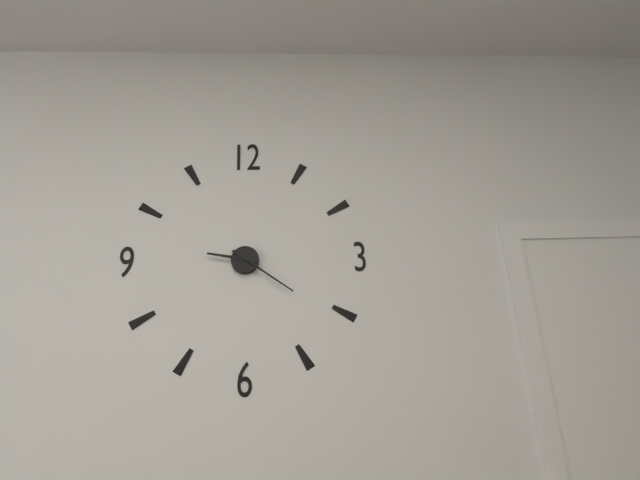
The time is 9,21
